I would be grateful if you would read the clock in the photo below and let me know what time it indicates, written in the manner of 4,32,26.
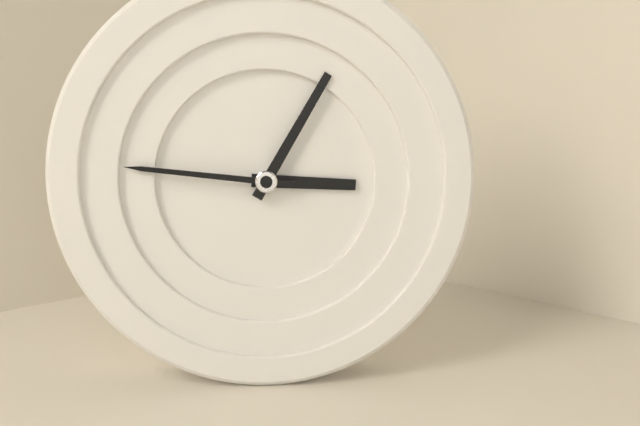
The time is 3,05,46
